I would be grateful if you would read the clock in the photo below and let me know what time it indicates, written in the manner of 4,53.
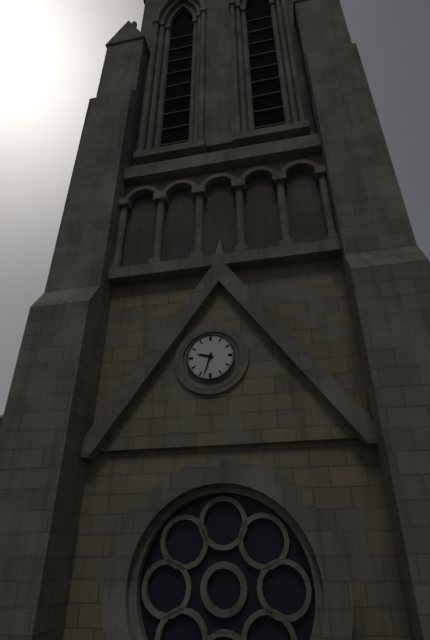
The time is 9,33
